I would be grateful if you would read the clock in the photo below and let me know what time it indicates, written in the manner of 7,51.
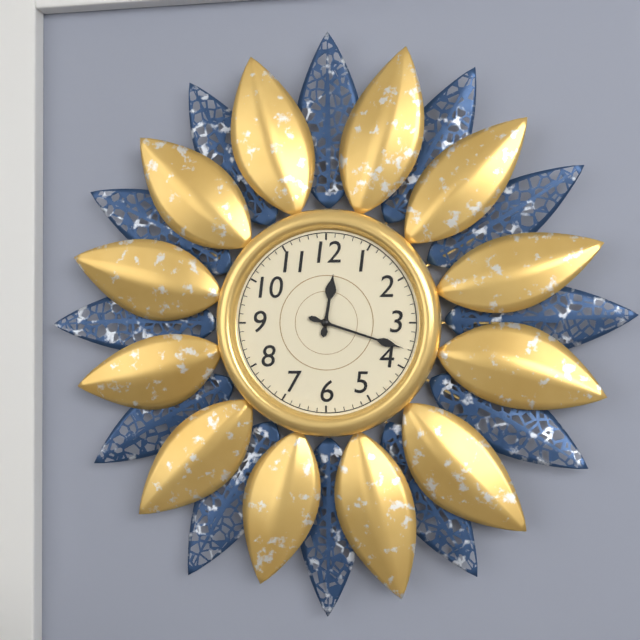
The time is 12,18
